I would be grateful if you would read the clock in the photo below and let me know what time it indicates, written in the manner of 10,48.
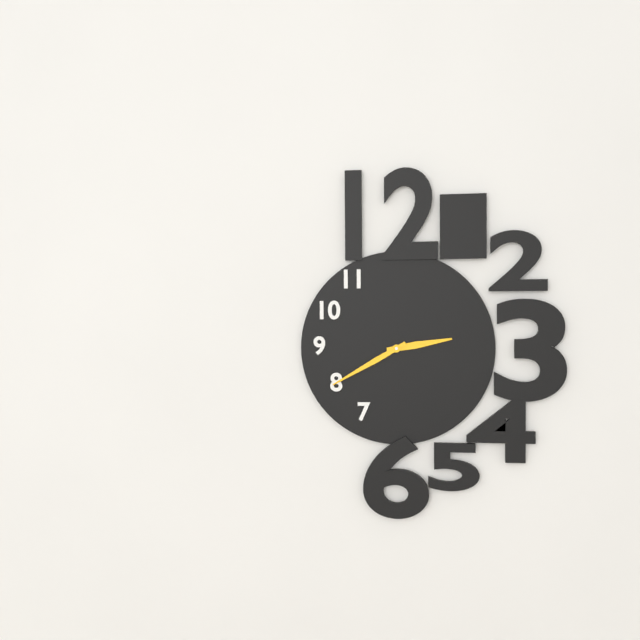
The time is 2,40
